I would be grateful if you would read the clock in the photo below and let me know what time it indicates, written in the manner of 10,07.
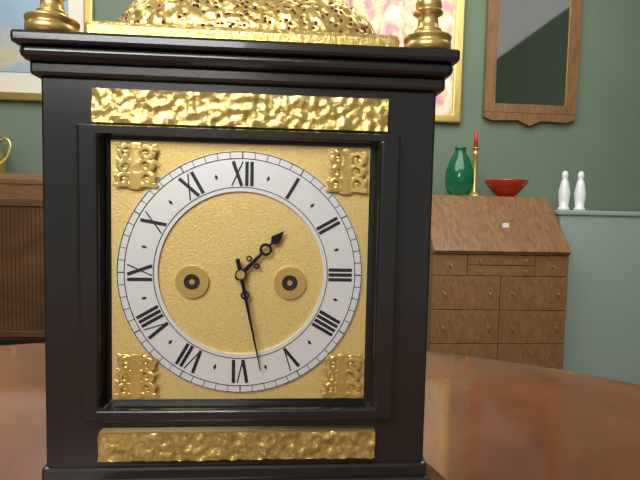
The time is 1,28
